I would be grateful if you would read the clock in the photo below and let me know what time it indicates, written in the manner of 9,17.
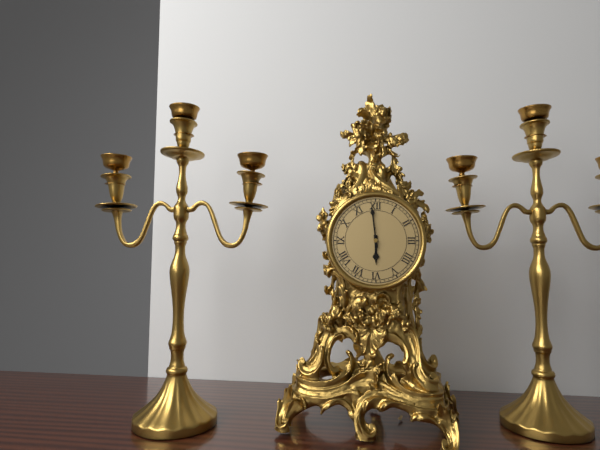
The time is 5,59
